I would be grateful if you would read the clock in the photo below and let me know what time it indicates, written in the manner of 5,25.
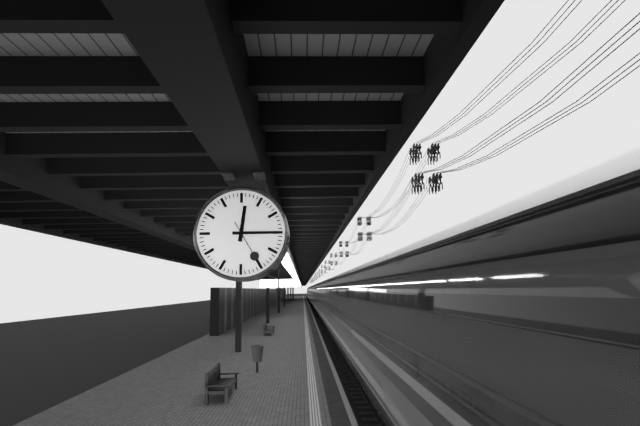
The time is 12,15
